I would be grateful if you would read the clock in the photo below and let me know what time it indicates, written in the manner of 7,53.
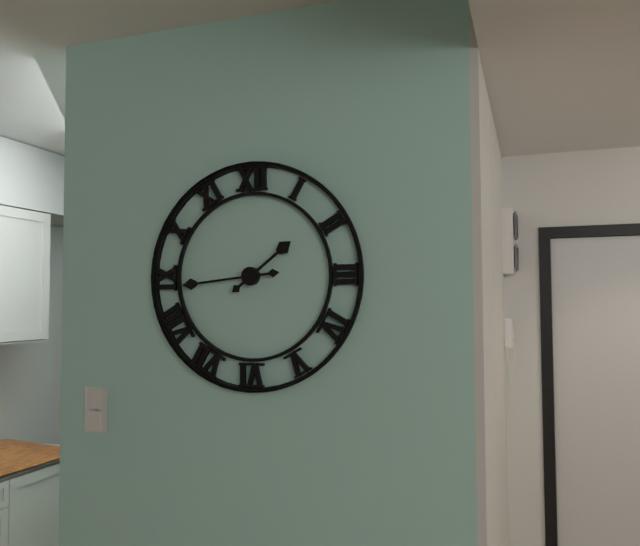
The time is 1,44
